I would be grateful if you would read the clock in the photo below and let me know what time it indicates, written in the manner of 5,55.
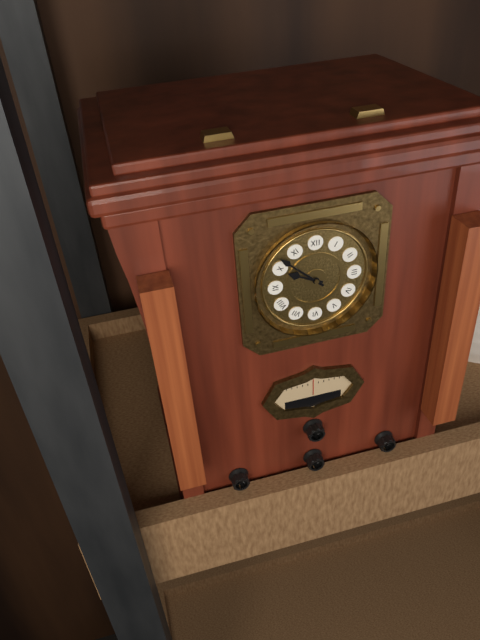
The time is 9,52
